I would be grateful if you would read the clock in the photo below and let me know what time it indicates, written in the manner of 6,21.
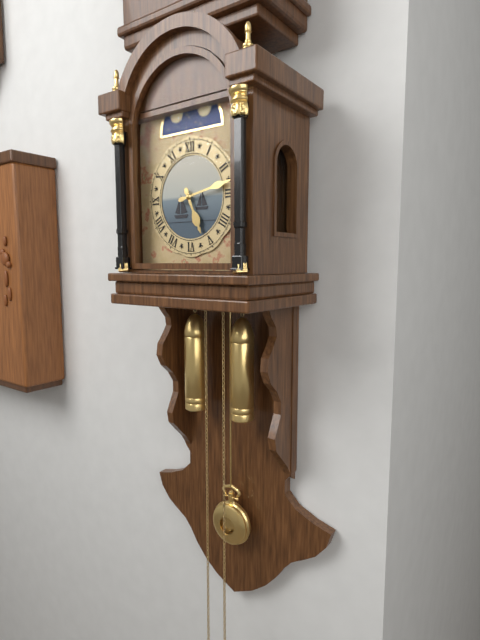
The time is 5,13
